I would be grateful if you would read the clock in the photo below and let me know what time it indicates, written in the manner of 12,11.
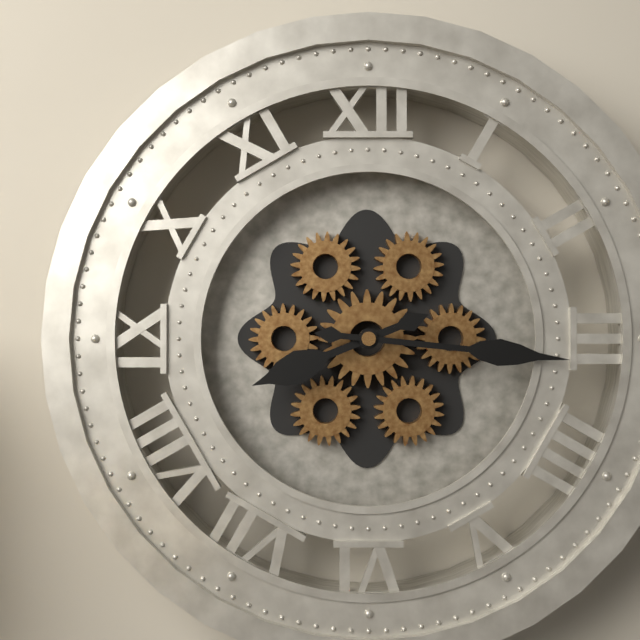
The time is 8,16
